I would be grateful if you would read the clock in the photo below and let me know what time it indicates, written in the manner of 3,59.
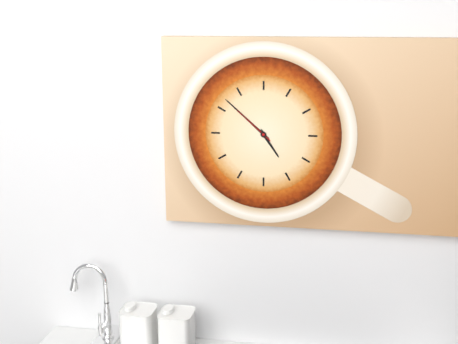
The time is 4,52
